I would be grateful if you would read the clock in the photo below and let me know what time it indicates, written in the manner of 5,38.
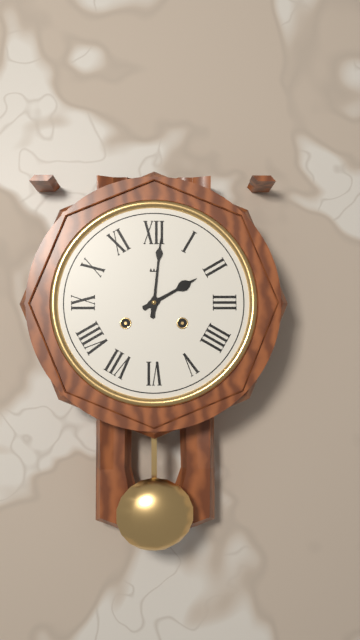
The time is 2,01
